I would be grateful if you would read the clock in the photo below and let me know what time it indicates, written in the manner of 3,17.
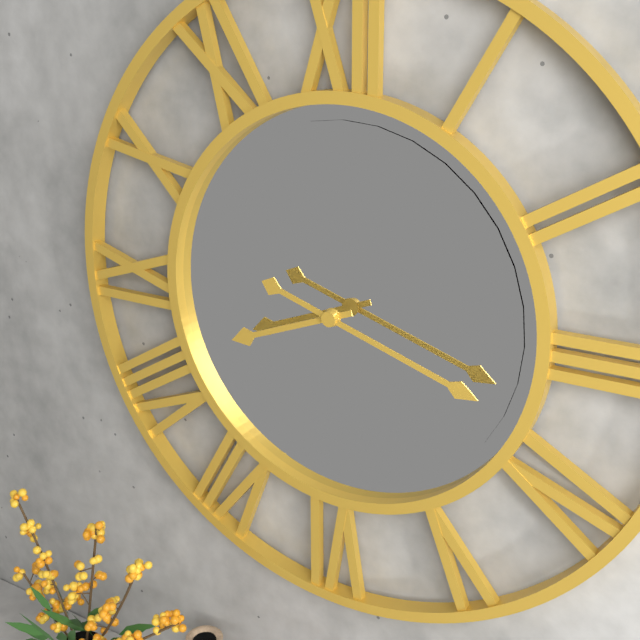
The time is 8,18
